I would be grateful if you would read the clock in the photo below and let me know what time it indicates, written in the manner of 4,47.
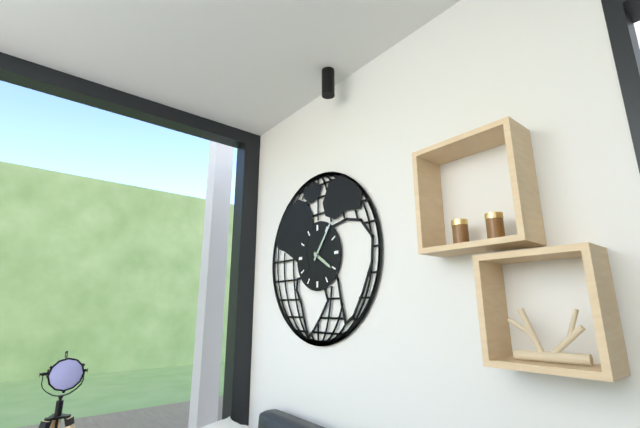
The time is 4,06
